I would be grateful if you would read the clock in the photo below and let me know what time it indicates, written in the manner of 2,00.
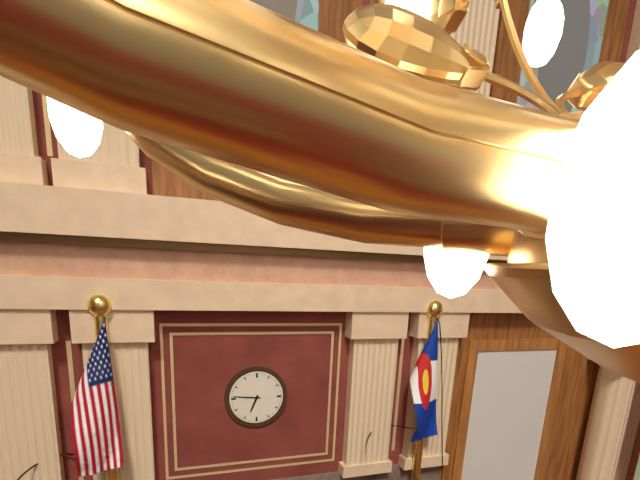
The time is 6,46
